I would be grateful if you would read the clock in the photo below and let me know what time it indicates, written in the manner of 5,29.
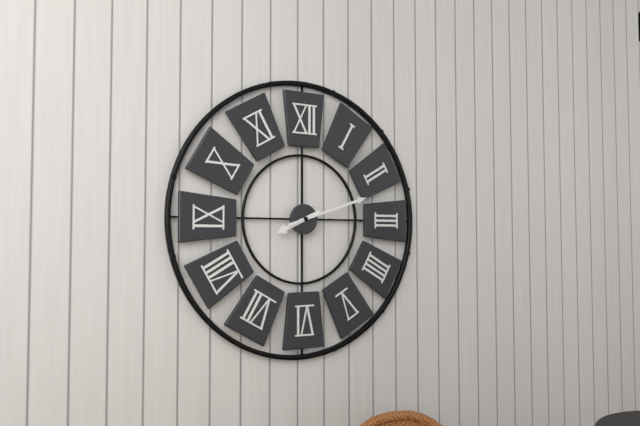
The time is 8,12
